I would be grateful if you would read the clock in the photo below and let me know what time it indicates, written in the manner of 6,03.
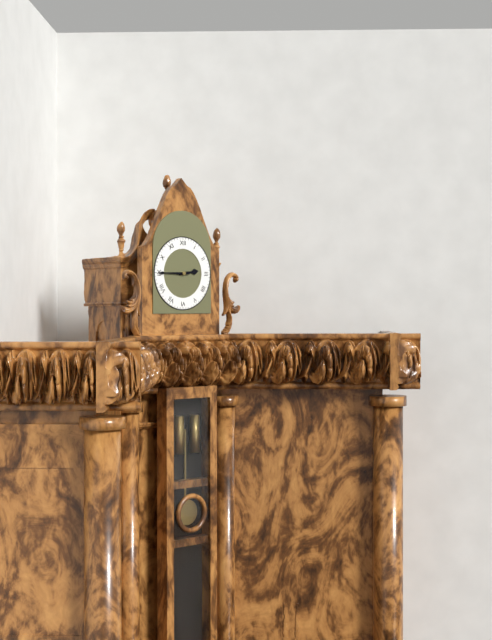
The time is 2,45
